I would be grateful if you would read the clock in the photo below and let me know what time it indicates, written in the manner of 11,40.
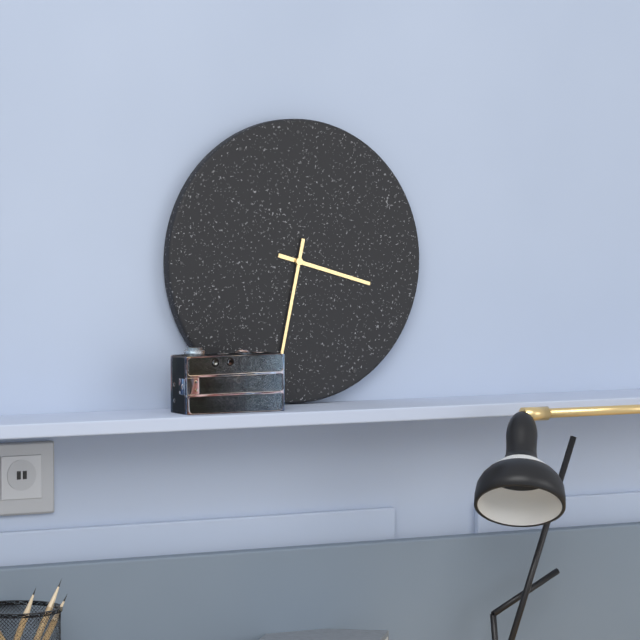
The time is 3,32
